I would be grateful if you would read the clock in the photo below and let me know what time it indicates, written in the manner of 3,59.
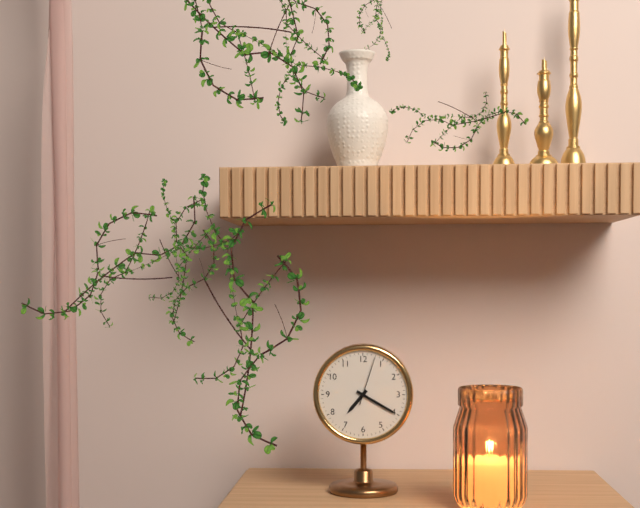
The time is 7,20
